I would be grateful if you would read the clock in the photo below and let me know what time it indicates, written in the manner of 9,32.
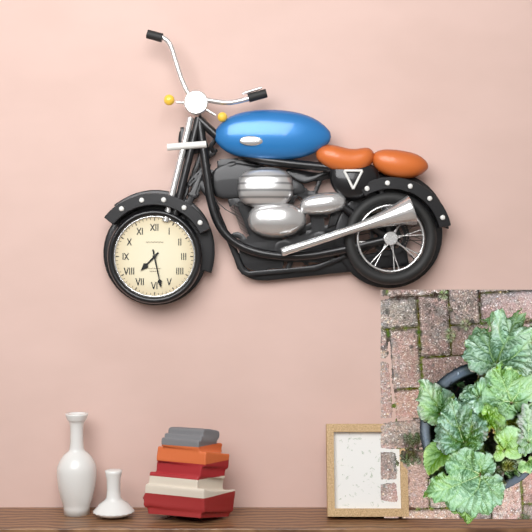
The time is 7,28
